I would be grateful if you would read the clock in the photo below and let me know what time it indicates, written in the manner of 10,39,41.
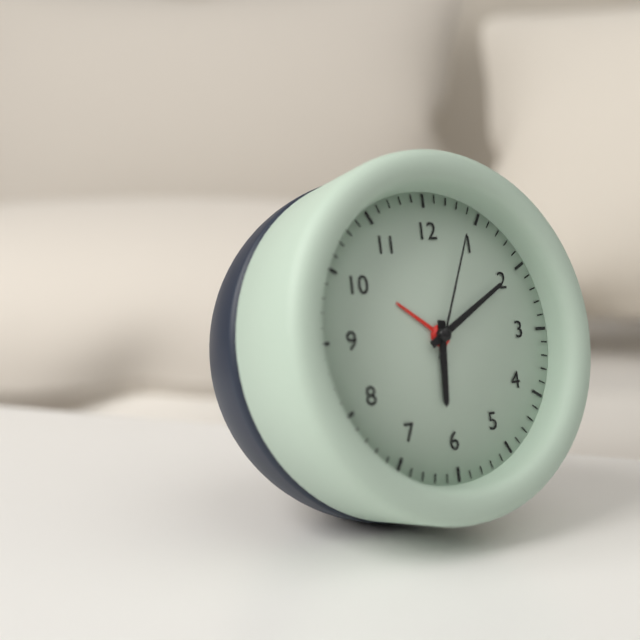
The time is 6,10,04
